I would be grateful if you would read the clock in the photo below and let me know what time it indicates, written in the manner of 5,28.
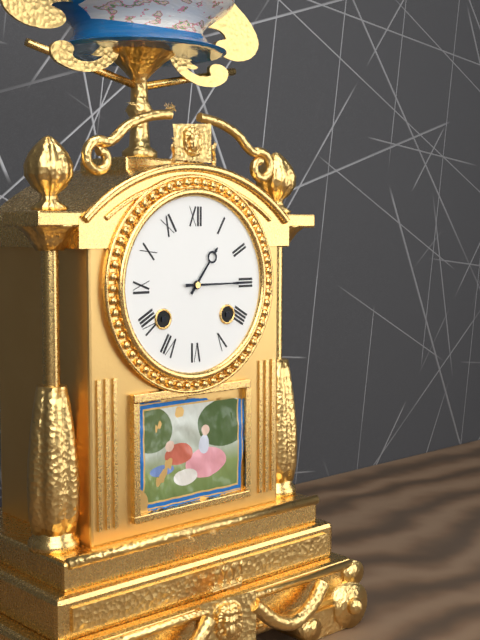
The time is 1,15
